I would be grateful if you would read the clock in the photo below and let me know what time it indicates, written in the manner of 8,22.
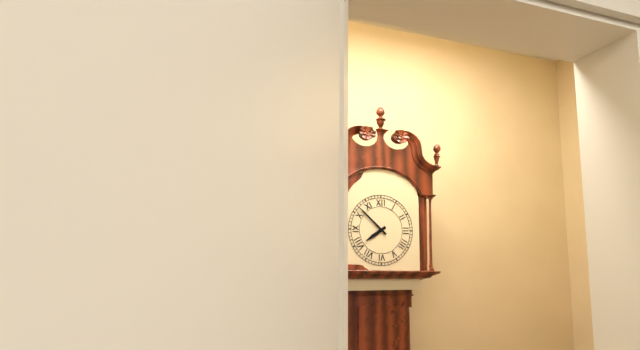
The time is 7,52
